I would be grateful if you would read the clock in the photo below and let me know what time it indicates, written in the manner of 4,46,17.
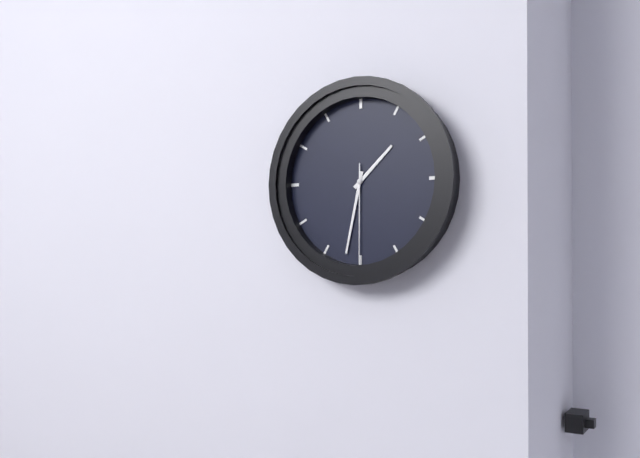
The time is 1,32,30
